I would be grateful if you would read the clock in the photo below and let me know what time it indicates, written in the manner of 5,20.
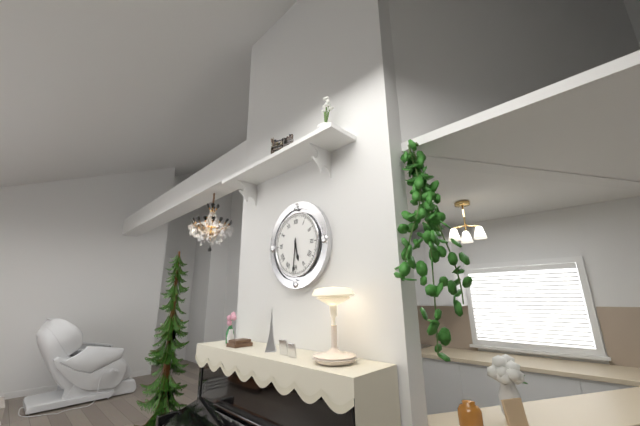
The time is 5,31
